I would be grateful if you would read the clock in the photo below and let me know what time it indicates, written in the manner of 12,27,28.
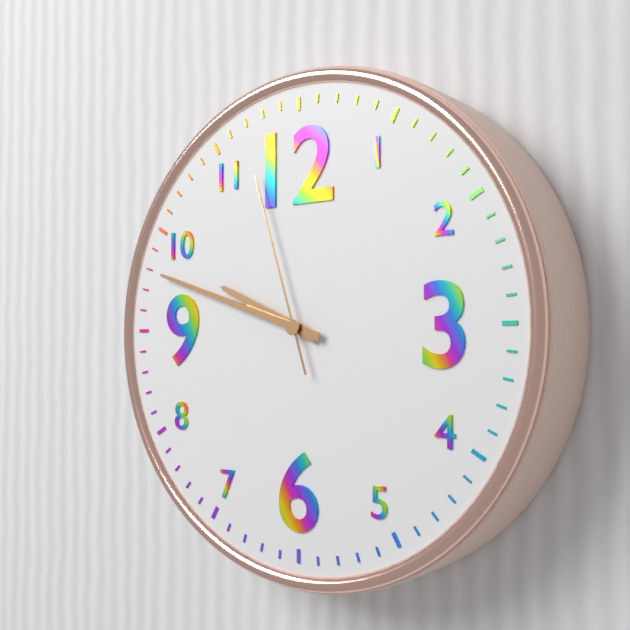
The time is 9,48,57
